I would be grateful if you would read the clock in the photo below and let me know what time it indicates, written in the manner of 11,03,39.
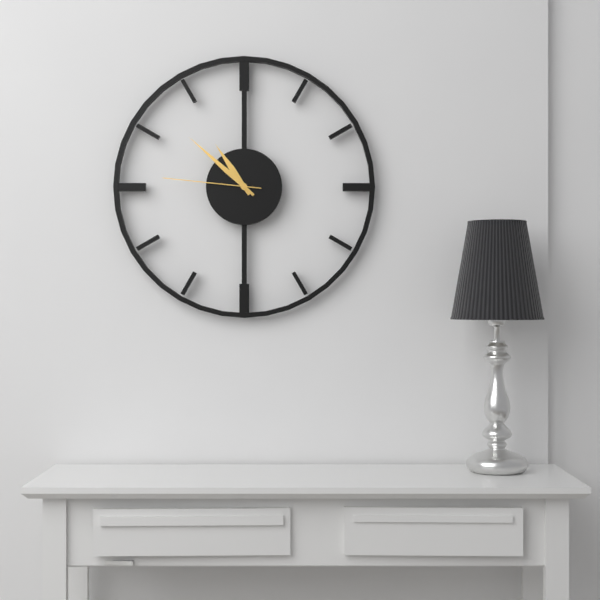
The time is 10,52,46
